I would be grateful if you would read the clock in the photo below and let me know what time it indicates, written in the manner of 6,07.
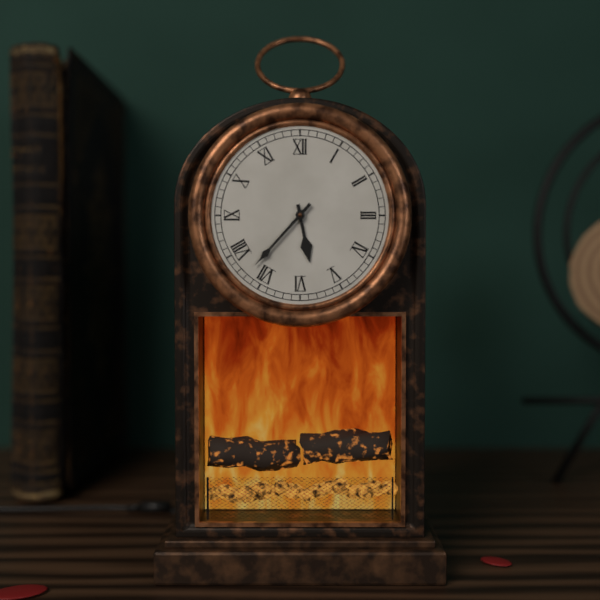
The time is 5,37
